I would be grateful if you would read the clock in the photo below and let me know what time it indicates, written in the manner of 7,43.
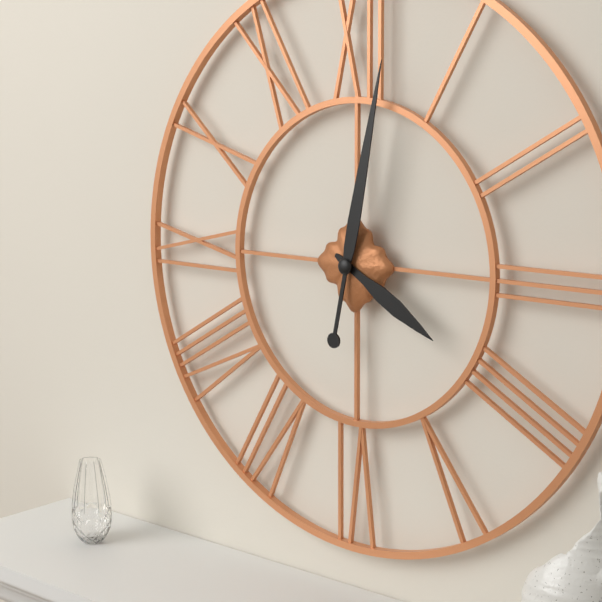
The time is 4,02
